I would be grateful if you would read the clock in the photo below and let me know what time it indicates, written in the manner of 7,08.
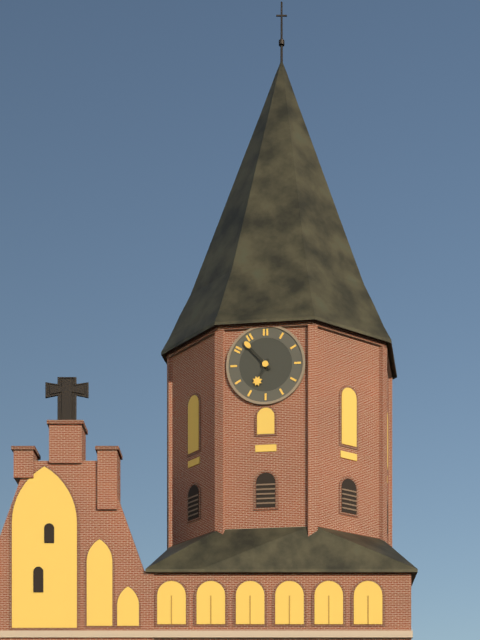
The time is 6,53
